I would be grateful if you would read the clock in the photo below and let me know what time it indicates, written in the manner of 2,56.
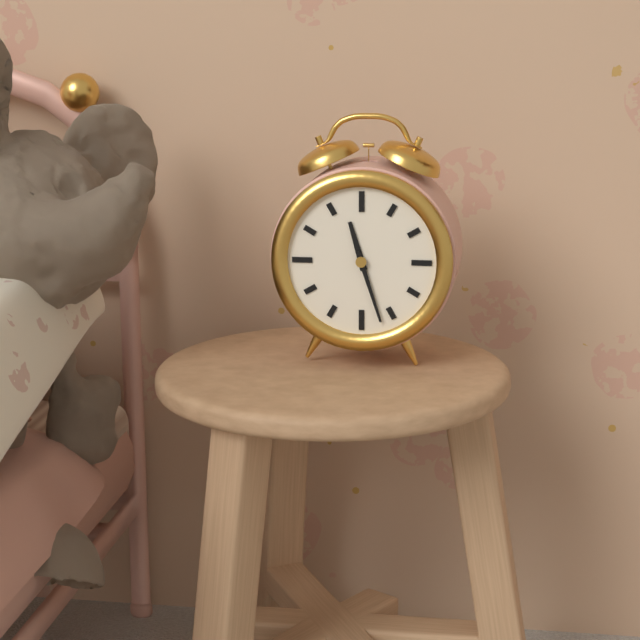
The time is 11,27
